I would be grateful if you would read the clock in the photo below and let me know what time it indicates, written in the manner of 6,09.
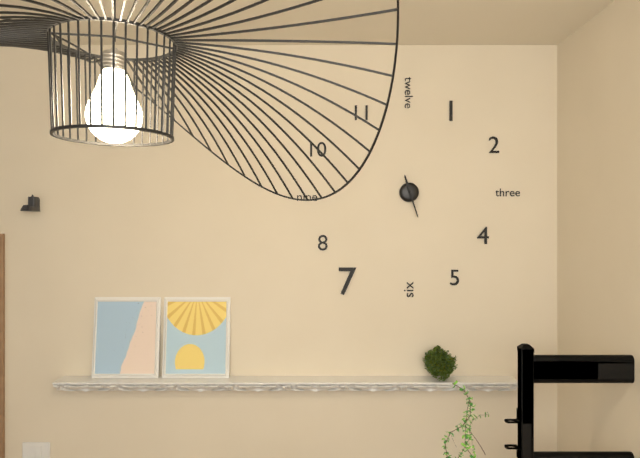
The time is 11,27
